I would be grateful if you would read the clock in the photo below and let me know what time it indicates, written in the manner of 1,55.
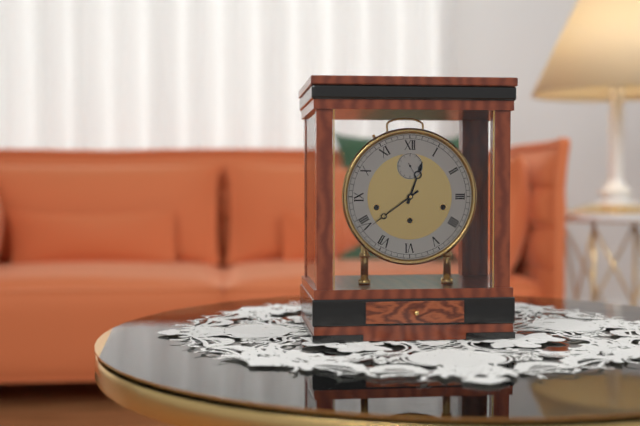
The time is 12,39
